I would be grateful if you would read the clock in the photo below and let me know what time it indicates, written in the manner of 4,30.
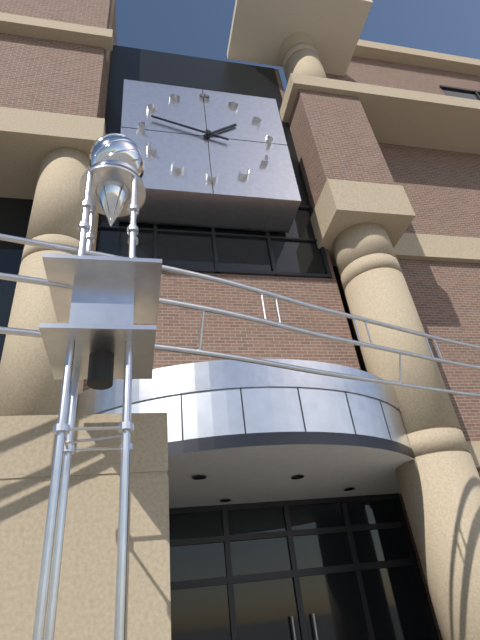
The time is 1,48
